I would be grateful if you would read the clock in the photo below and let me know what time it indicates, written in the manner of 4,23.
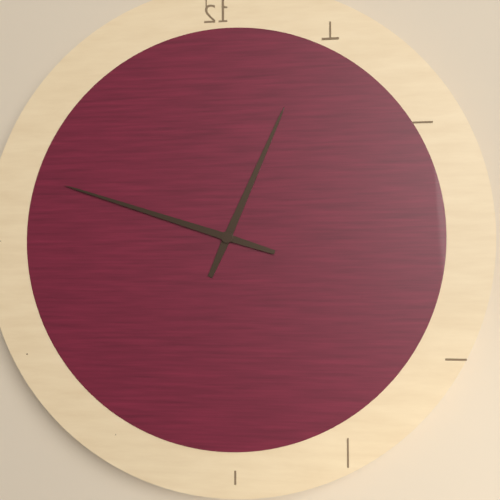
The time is 12,48
